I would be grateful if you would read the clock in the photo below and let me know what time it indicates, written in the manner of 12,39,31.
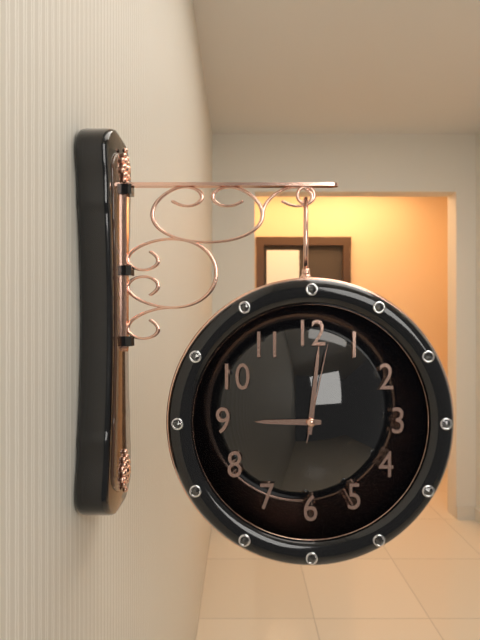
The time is 9,01,02
